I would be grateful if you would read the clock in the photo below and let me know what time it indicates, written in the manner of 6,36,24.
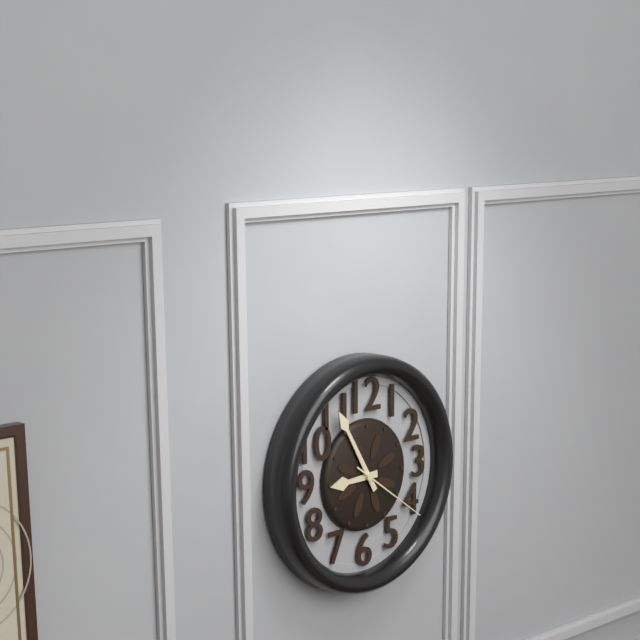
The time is 8,55,21
